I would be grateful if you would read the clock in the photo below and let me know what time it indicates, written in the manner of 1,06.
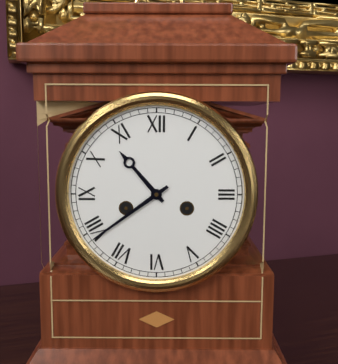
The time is 10,39
